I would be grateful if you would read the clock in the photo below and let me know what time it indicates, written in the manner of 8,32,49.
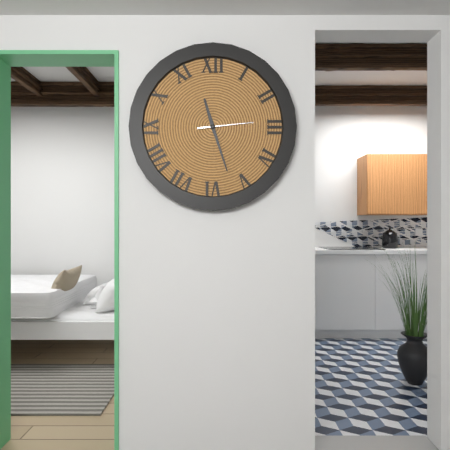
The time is 11,27,14
